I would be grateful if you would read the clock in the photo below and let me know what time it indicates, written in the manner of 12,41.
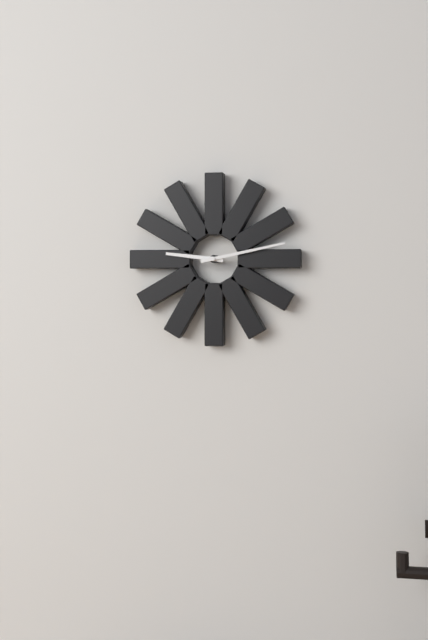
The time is 9,13
